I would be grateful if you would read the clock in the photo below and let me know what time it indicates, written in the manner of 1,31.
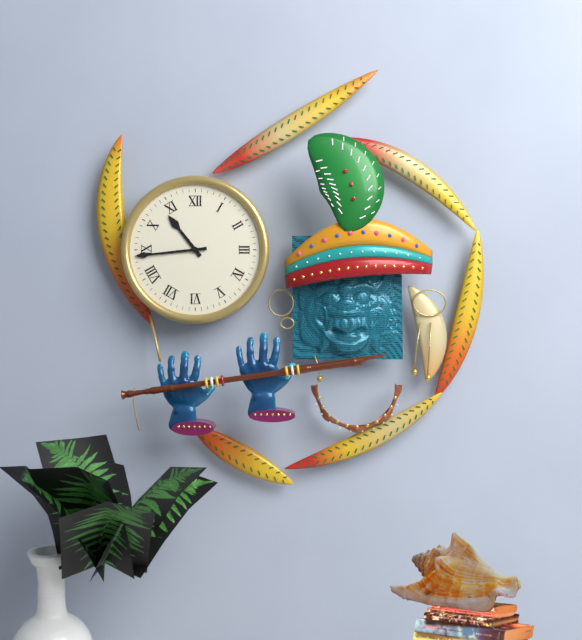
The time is 10,44
